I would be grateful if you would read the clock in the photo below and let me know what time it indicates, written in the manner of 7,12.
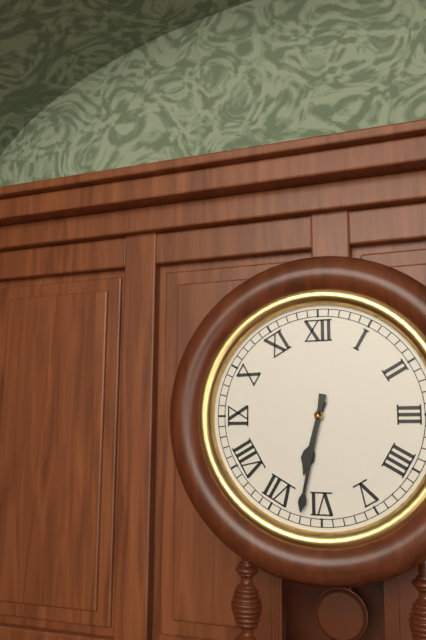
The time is 6,32
